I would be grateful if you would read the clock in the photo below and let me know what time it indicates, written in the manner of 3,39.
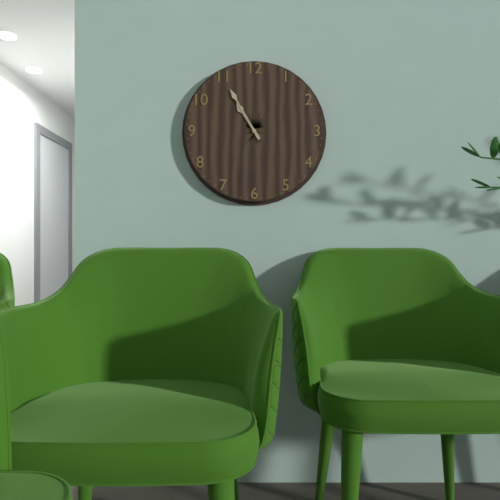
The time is 10,55
